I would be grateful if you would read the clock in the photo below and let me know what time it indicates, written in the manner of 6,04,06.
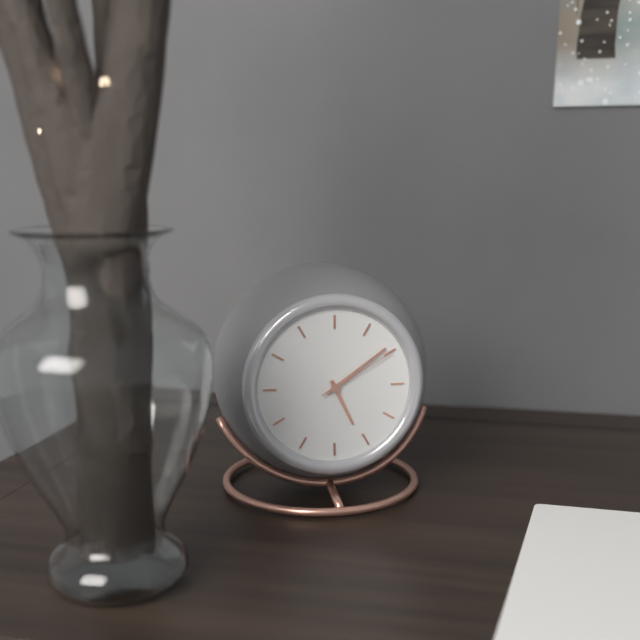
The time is 5,09,10
